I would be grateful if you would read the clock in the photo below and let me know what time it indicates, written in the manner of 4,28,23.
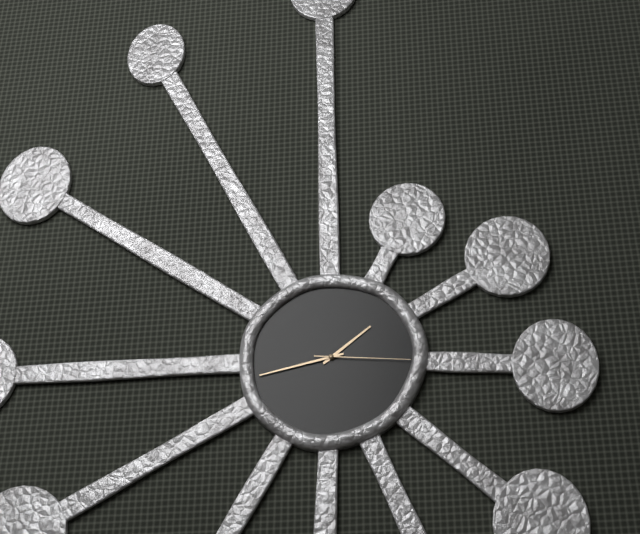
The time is 1,43,16
